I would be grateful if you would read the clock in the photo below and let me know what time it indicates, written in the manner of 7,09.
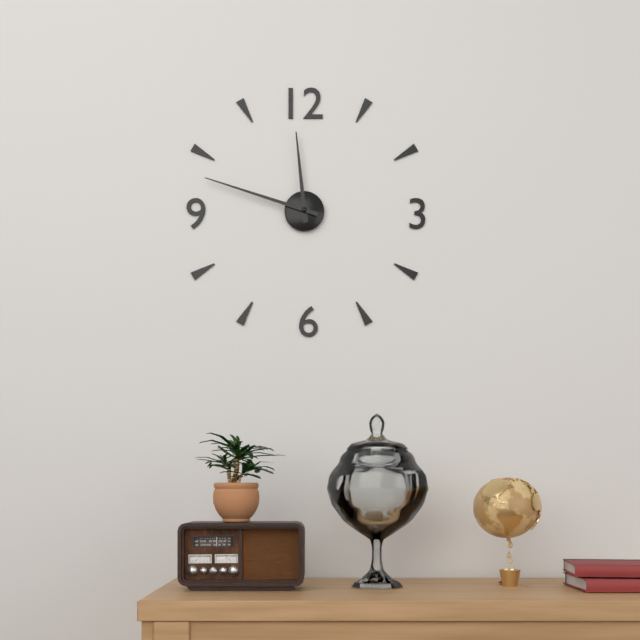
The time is 11,48
